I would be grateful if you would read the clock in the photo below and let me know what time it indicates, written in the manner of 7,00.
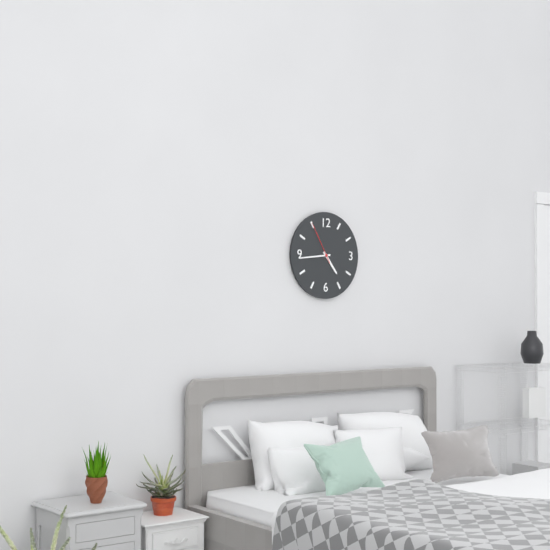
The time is 4,44
